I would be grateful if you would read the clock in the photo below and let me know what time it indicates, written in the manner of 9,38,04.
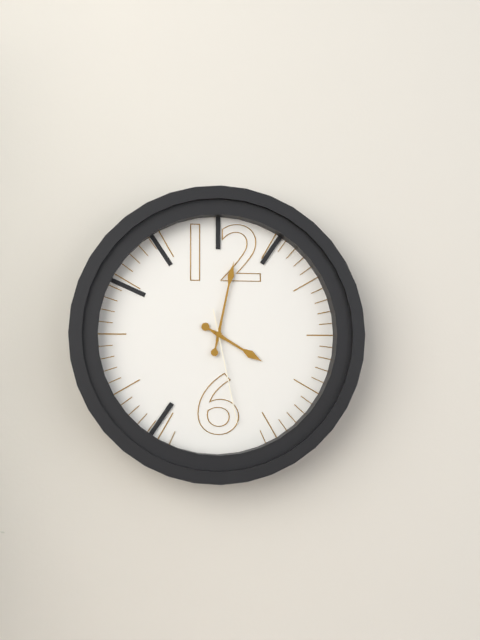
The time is 4,02,28
